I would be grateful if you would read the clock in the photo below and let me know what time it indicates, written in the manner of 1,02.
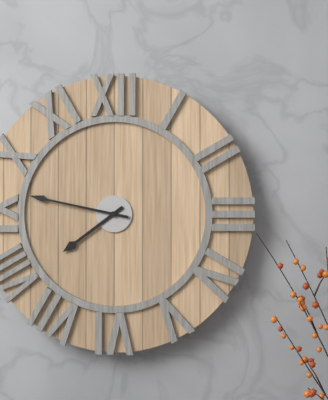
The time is 7,47
